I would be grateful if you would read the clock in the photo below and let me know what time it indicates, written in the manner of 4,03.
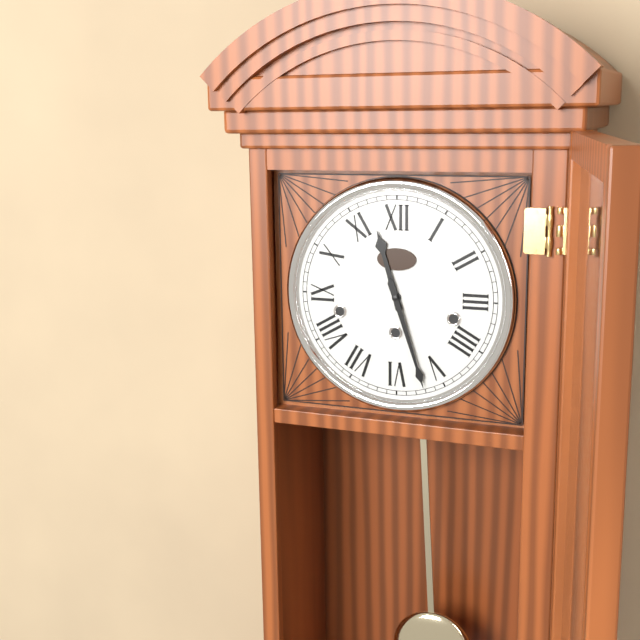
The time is 11,27
